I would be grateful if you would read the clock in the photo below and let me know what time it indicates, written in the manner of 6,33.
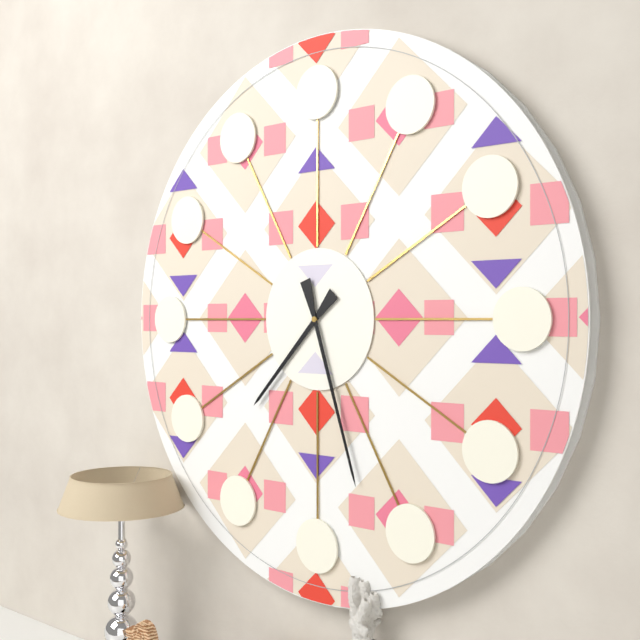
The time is 7,27
